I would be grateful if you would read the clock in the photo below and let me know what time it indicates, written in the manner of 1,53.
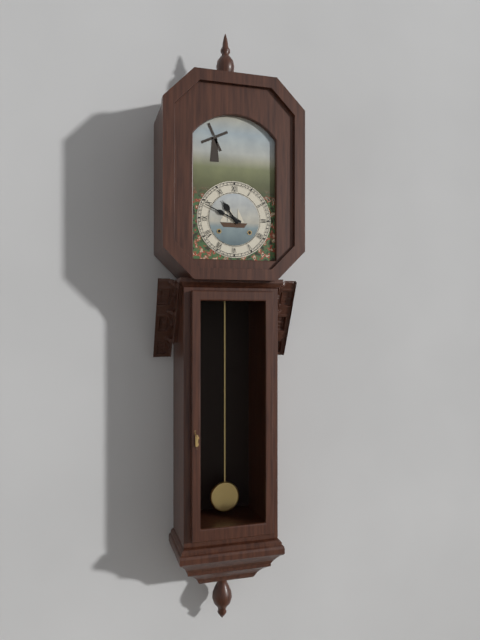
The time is 10,49
